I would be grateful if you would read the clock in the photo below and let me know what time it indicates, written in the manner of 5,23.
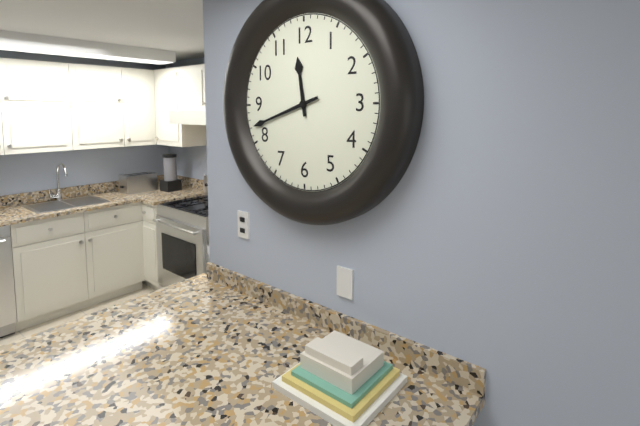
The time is 11,42
